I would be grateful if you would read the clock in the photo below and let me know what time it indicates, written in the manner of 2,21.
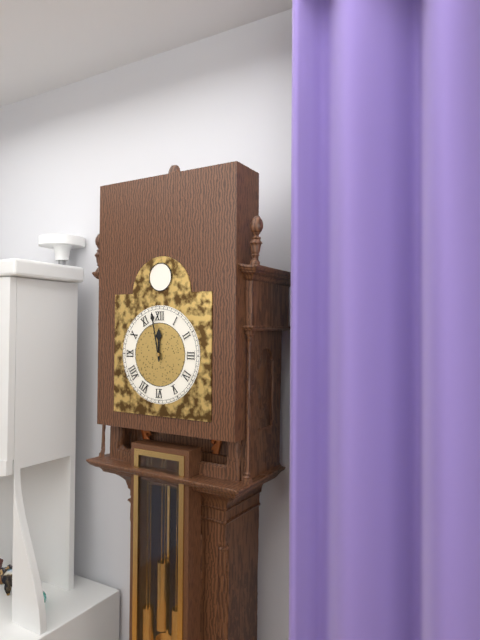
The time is 11,58
